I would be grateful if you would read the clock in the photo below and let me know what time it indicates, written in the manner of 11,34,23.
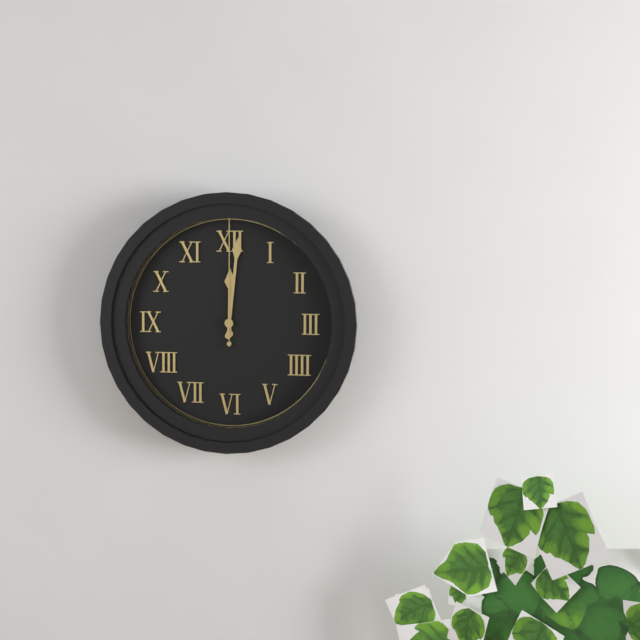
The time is 12,01,00
